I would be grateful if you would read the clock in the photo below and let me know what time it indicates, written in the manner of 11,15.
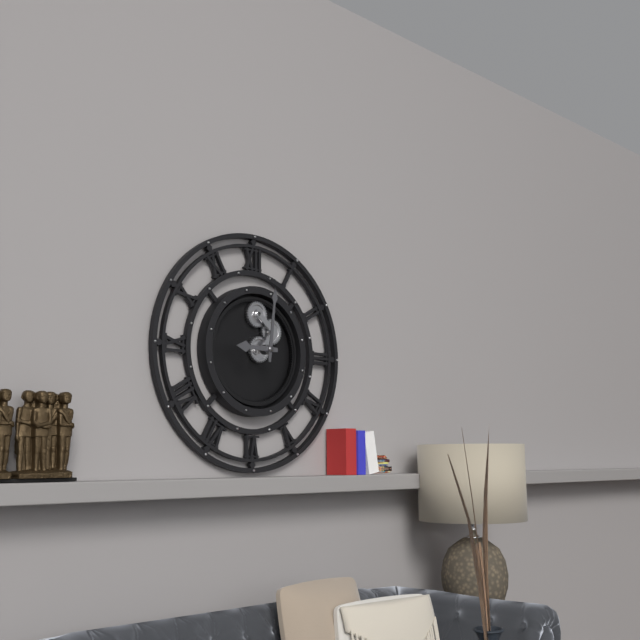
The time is 9,01
